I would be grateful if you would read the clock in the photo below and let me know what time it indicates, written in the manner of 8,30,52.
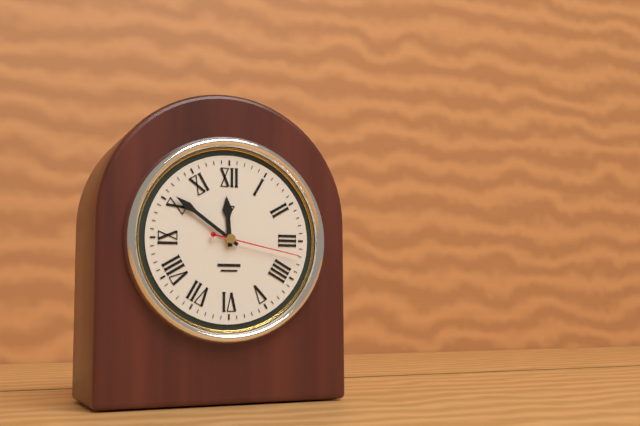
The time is 11,51,17
